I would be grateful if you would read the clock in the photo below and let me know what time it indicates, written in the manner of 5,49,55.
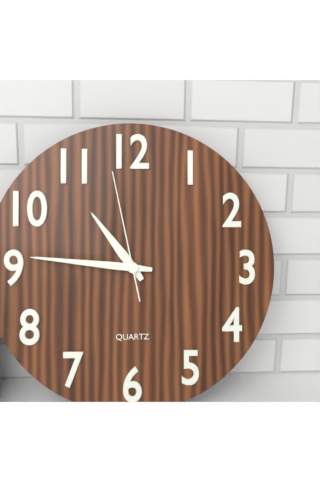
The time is 10,46,58
